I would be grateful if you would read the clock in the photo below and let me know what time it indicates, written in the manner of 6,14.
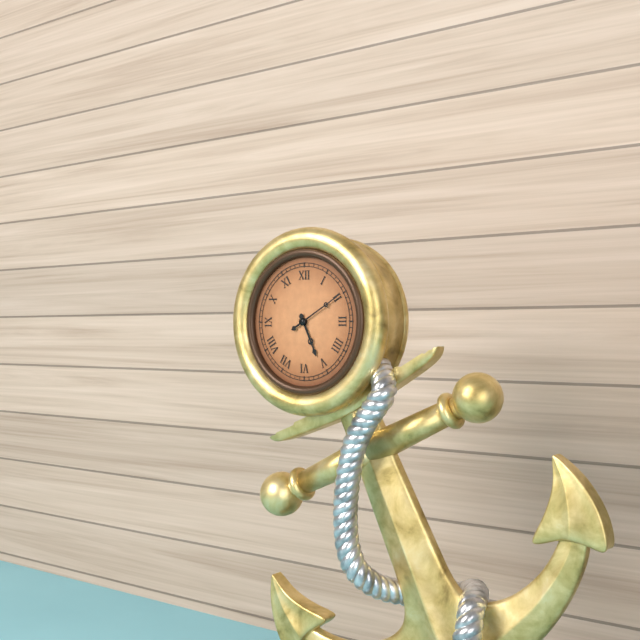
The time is 5,10
